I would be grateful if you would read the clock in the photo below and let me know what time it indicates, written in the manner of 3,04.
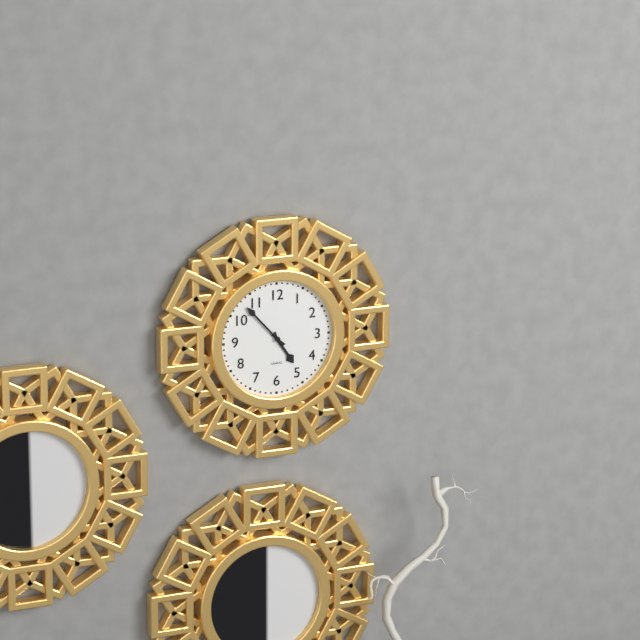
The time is 4,53
